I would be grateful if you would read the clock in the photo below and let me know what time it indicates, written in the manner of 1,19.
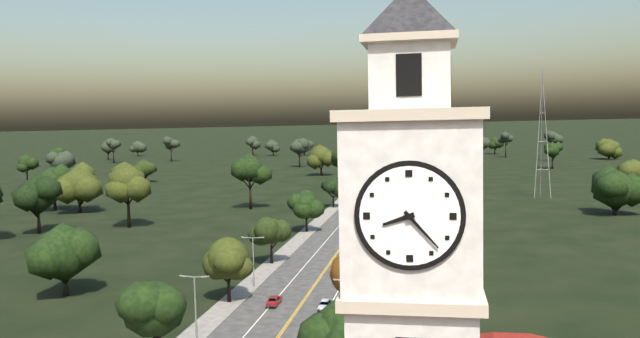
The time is 8,23
